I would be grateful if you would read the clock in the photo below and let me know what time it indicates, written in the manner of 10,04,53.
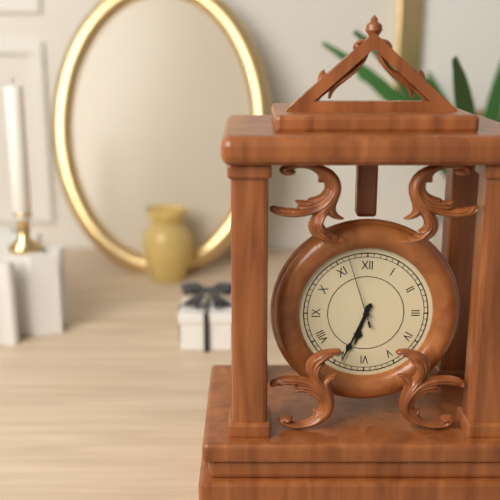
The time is 6,34,57
